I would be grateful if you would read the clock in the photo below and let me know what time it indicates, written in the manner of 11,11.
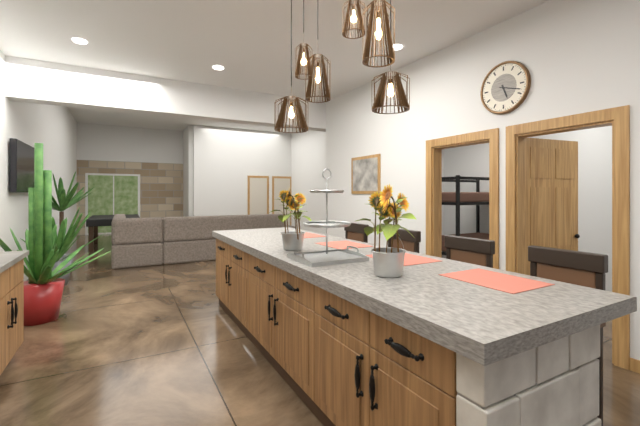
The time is 5,18
